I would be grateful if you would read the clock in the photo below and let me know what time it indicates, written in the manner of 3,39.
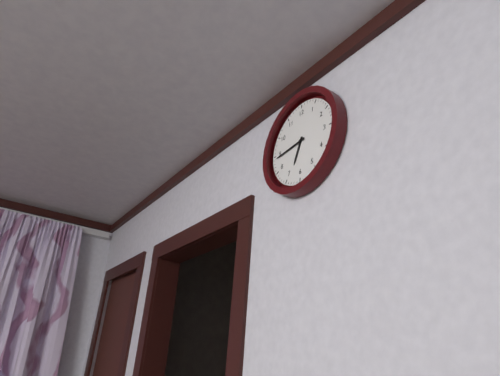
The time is 6,44
